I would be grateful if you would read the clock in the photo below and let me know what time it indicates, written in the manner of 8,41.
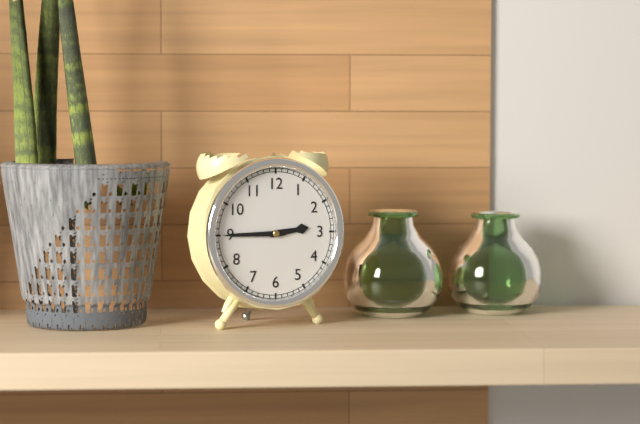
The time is 2,45
